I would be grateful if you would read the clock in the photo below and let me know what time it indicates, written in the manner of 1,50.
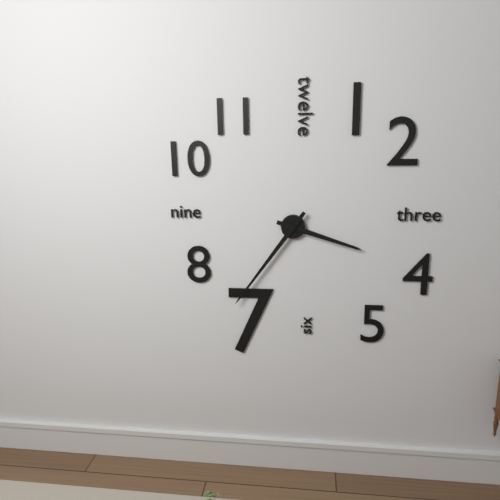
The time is 3,36
